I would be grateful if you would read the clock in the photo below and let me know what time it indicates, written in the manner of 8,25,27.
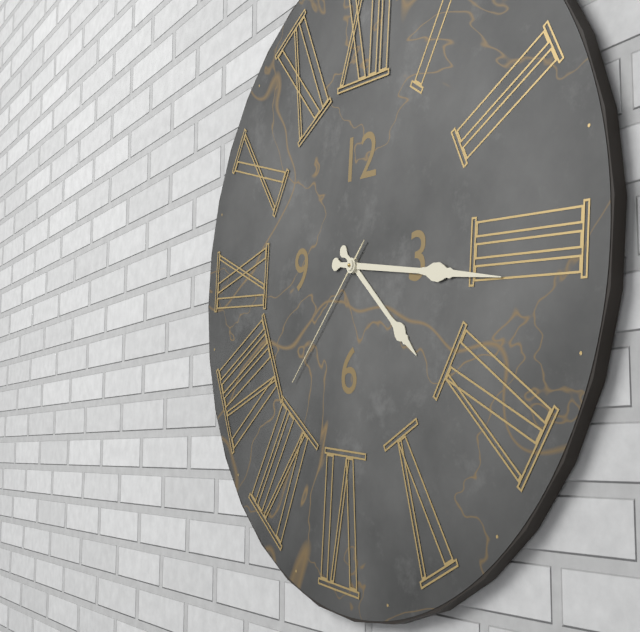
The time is 4,16,37
